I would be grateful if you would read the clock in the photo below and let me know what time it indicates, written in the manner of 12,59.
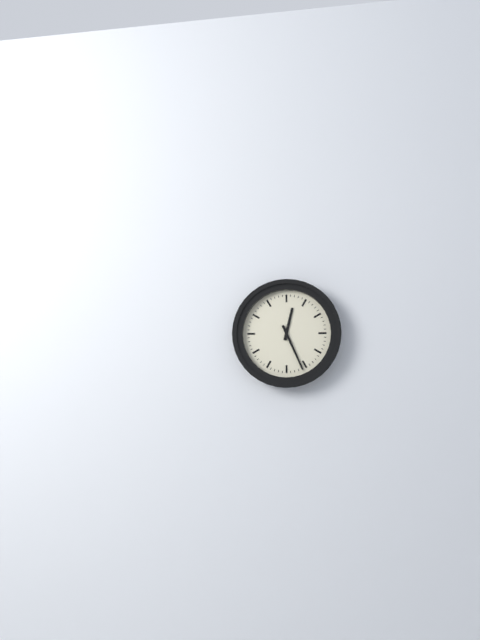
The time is 12,26
